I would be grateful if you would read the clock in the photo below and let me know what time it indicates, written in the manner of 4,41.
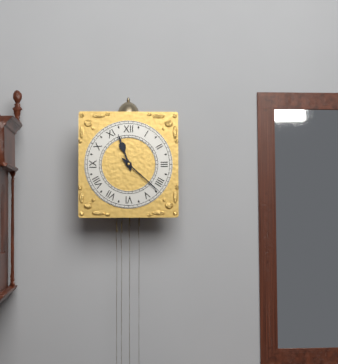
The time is 11,22
